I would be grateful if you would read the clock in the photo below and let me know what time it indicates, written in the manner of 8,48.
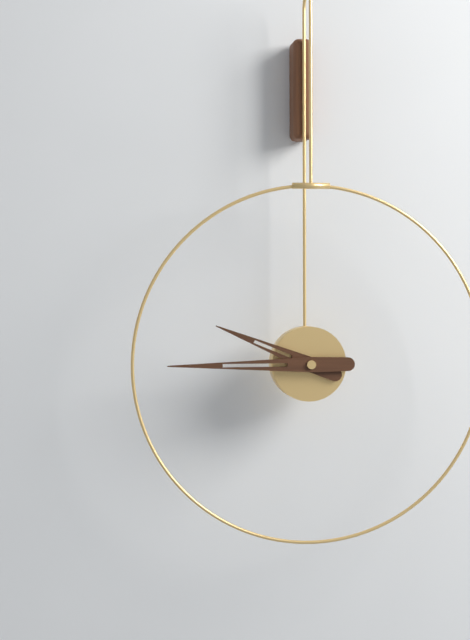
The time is 9,45
